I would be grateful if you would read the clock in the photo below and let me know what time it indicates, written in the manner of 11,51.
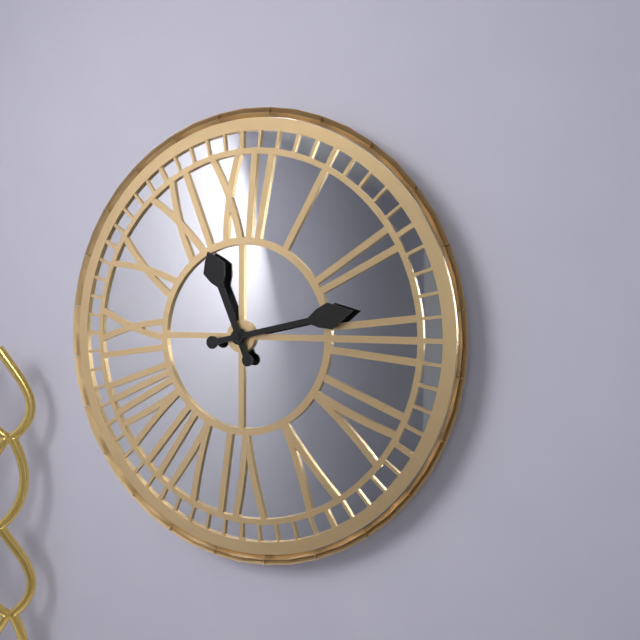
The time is 11,13
